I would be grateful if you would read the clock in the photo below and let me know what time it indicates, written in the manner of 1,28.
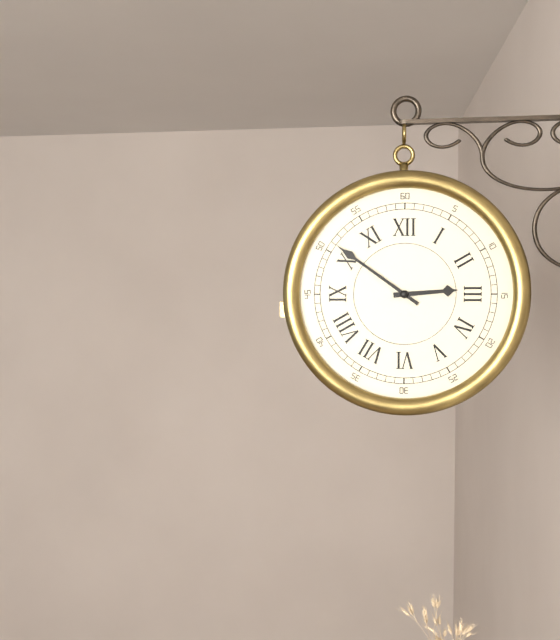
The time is 2,51
